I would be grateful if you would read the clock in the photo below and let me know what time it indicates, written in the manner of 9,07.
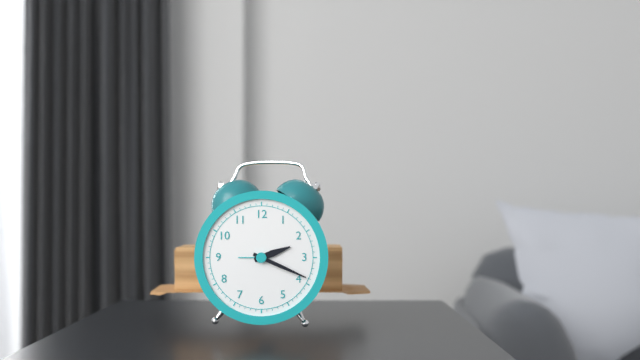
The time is 2,19
